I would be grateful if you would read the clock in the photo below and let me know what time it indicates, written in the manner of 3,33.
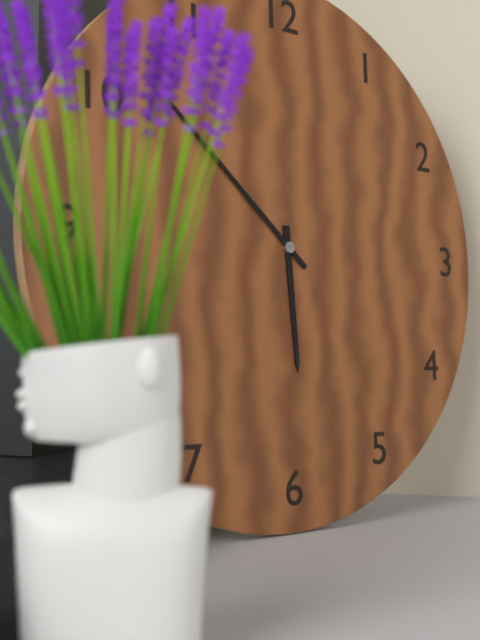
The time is 5,52
